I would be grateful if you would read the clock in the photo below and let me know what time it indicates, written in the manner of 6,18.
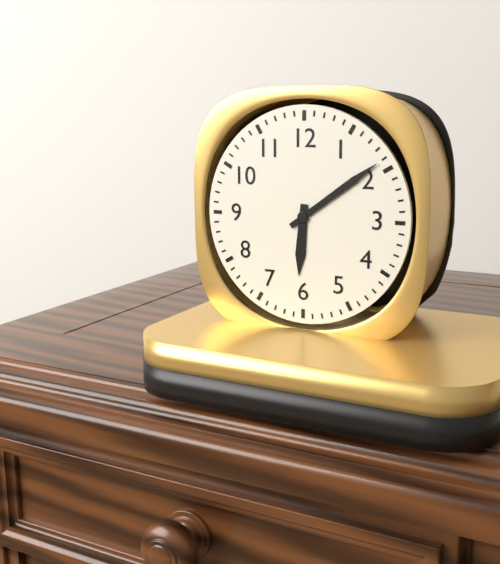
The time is 6,09
